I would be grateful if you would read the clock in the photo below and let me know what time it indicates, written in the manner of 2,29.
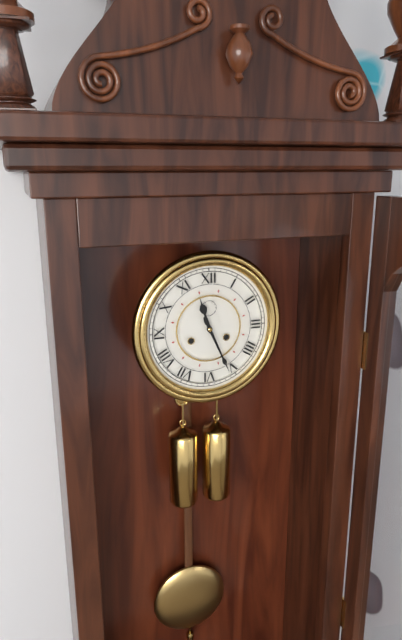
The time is 11,26
